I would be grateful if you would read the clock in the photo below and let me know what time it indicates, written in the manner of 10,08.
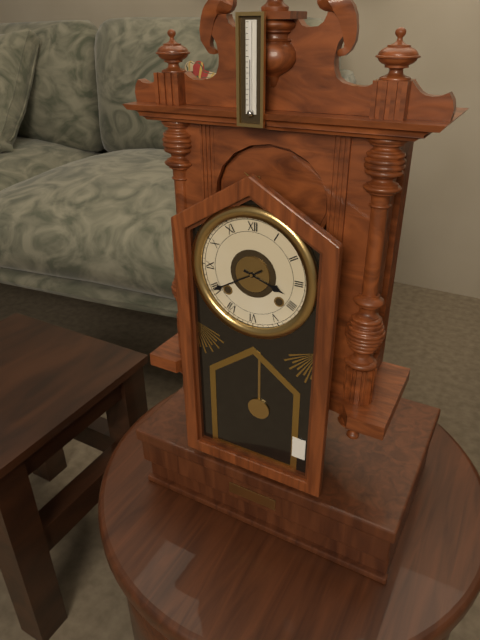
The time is 3,40
